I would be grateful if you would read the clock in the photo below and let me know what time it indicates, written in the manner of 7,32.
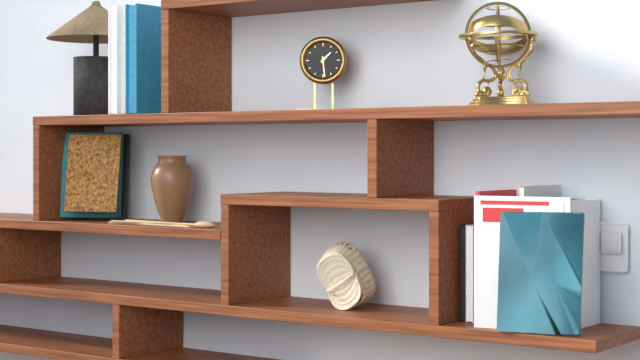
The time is 1,29
